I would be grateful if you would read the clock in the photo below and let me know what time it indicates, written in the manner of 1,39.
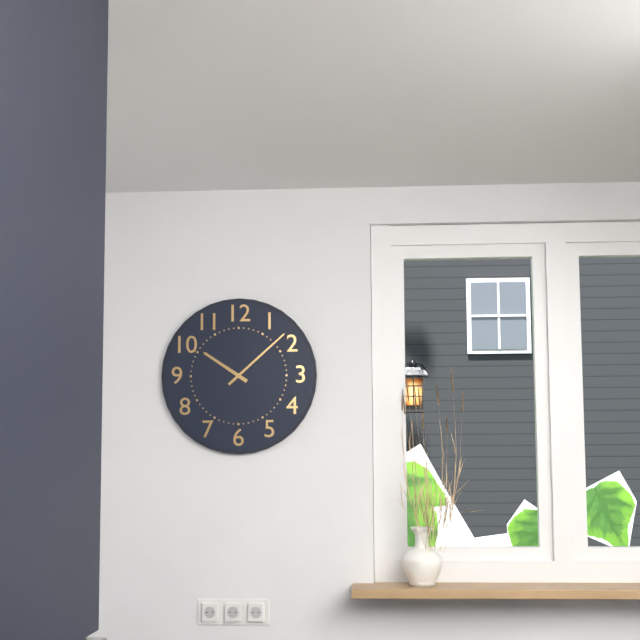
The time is 10,08
